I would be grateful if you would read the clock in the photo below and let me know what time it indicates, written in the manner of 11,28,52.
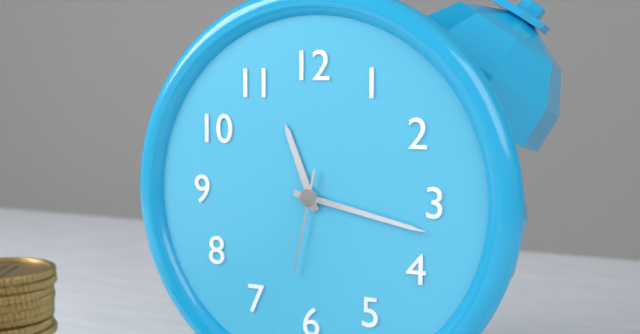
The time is 11,17,32
